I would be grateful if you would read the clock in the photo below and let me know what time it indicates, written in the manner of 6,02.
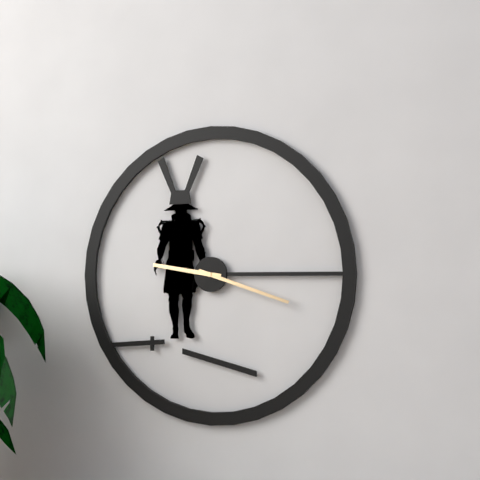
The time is 9,18
